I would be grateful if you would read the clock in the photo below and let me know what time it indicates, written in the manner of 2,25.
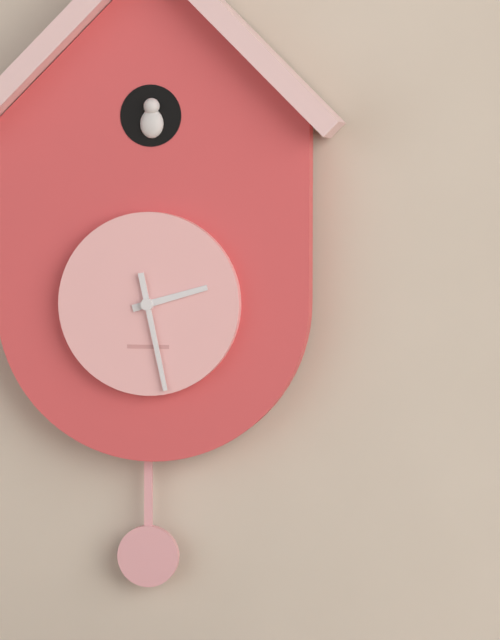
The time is 2,28
